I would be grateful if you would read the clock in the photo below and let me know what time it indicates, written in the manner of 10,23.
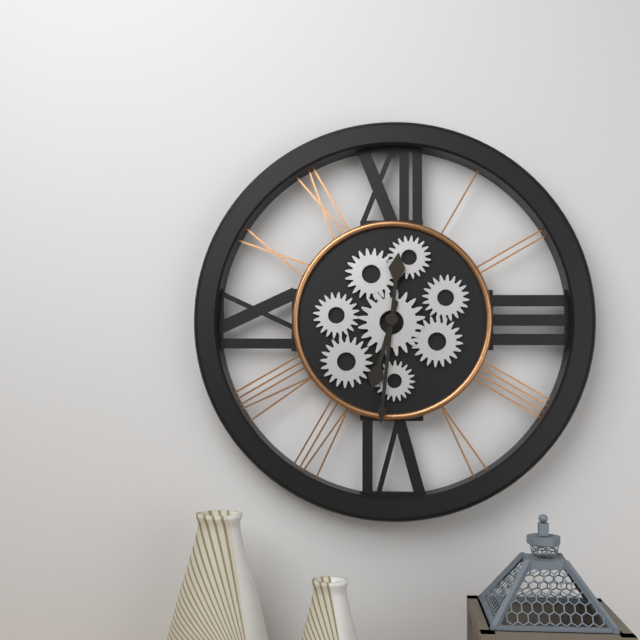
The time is 6,31
